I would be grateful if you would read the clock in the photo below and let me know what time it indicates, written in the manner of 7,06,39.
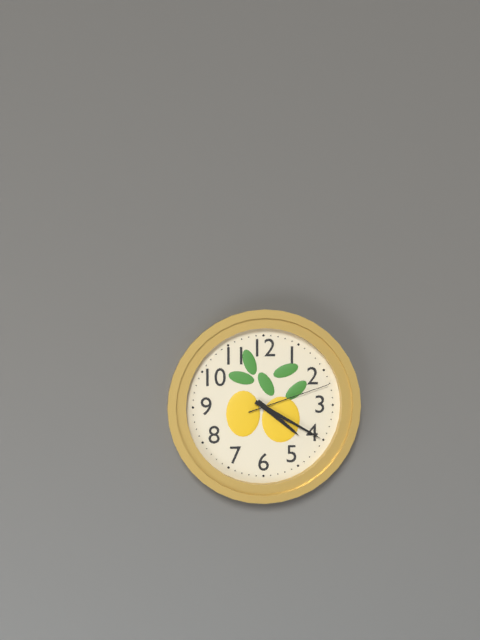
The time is 4,20,12
